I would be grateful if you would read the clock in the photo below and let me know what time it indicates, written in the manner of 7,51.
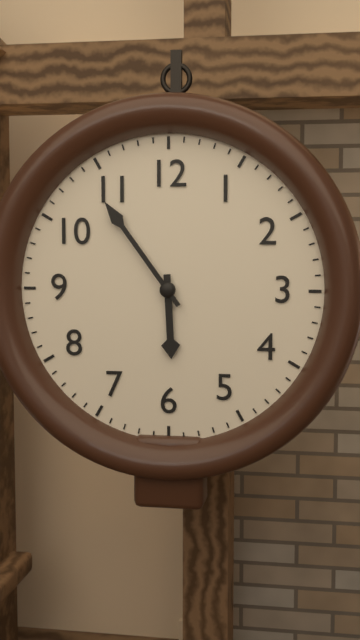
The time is 5,54
